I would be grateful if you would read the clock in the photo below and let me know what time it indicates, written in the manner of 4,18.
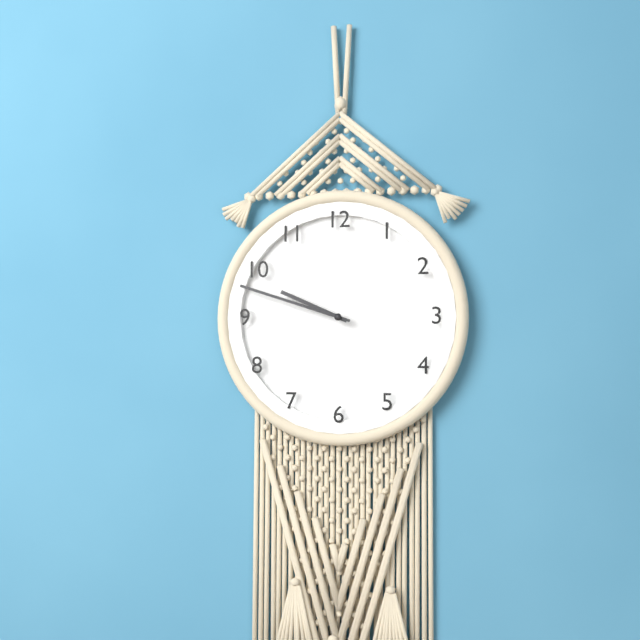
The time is 9,48
